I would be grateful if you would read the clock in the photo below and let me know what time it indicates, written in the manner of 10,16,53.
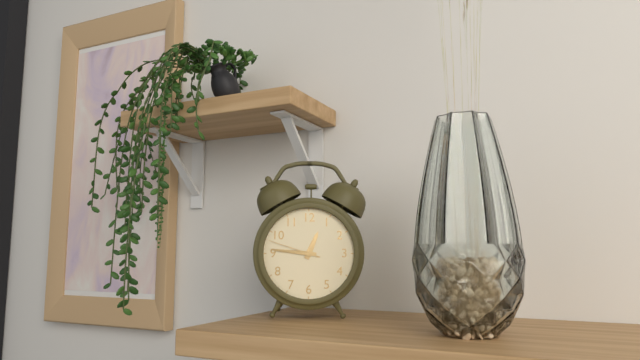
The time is 12,46,48
